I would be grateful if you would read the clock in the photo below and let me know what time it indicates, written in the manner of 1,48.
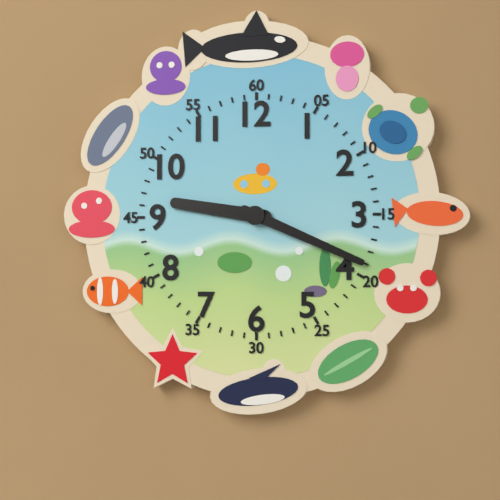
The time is 9,19
